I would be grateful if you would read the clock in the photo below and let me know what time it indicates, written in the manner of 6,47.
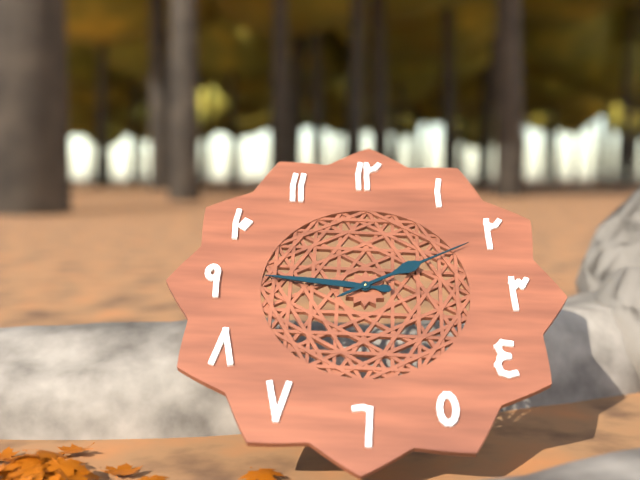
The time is 9,10
